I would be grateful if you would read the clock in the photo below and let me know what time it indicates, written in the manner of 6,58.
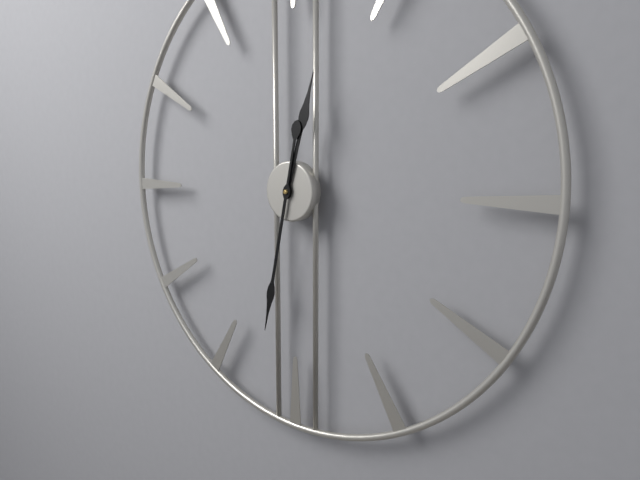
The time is 12,32
